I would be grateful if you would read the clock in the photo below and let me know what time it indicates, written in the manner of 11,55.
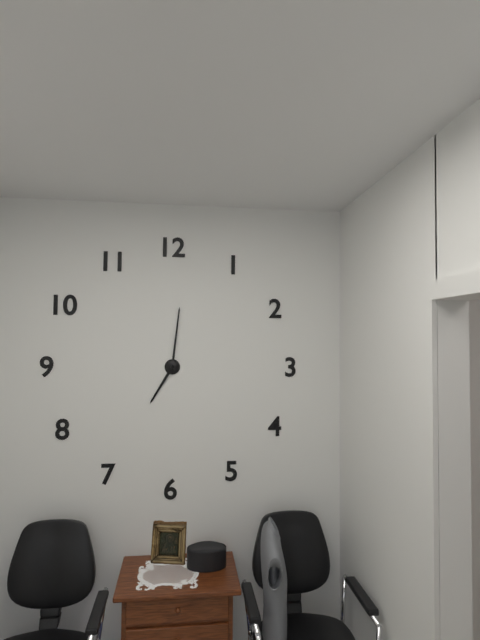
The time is 7,01
